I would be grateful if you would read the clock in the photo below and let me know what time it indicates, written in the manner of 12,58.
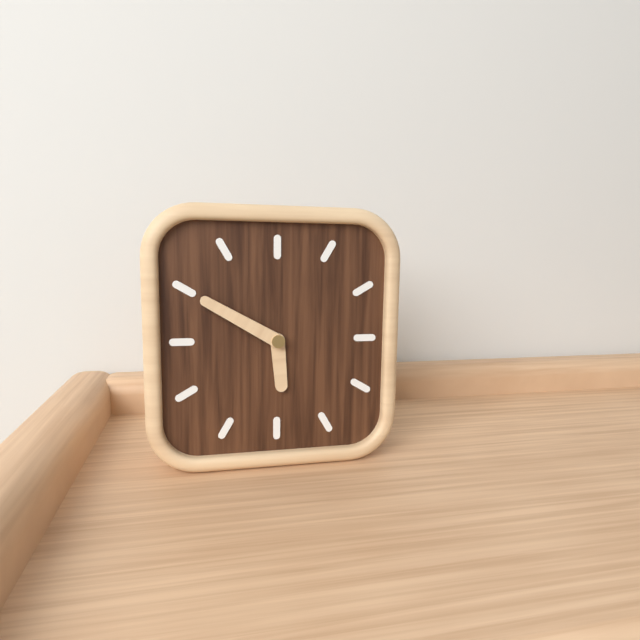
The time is 5,50
